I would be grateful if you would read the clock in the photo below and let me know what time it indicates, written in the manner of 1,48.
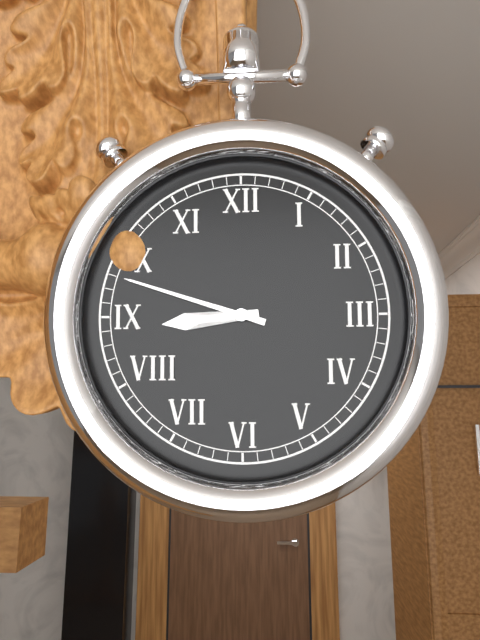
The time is 8,48
